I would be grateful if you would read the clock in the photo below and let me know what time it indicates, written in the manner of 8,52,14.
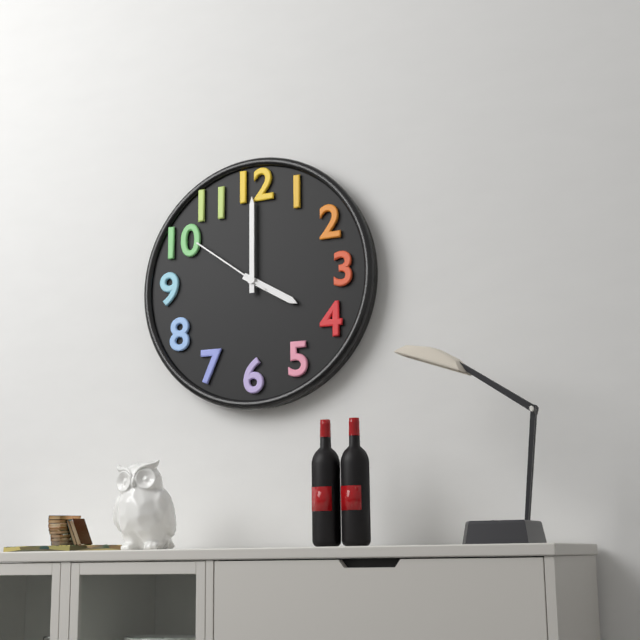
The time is 4,00,51
